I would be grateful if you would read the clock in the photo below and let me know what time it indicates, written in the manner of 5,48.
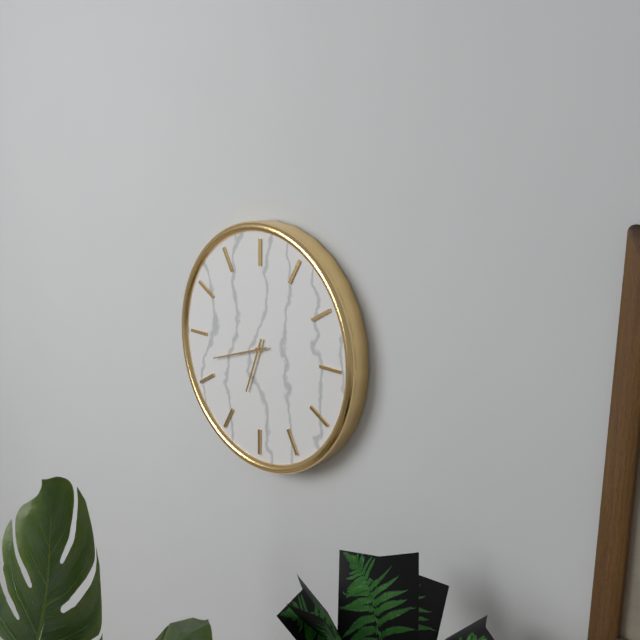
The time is 6,42
